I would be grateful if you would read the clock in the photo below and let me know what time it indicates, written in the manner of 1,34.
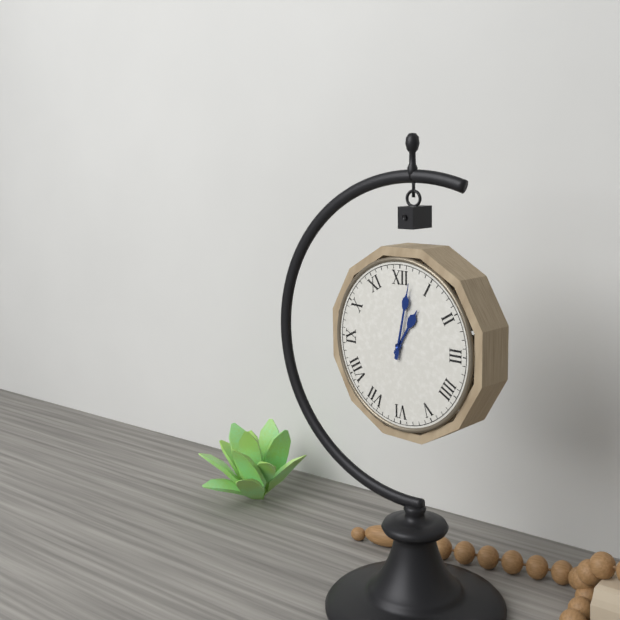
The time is 1,02
